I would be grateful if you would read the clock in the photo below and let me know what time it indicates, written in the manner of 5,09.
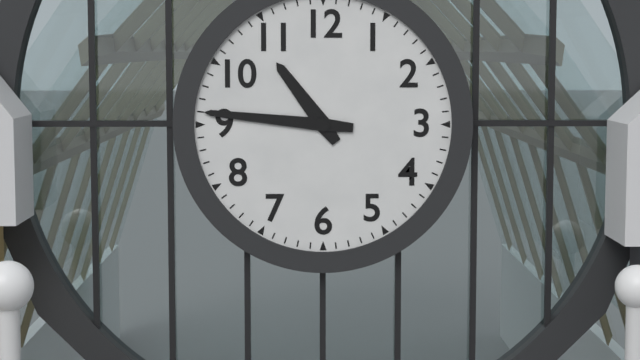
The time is 10,46
